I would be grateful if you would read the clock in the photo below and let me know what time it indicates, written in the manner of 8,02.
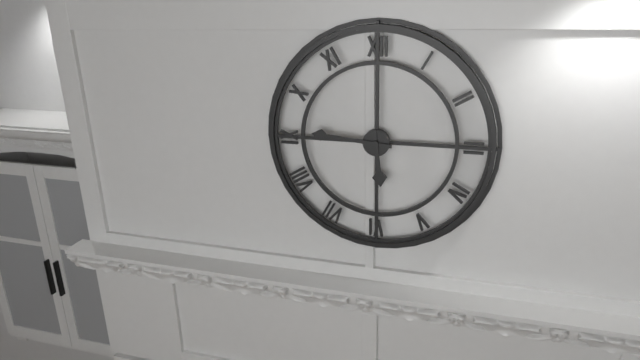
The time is 5,46
